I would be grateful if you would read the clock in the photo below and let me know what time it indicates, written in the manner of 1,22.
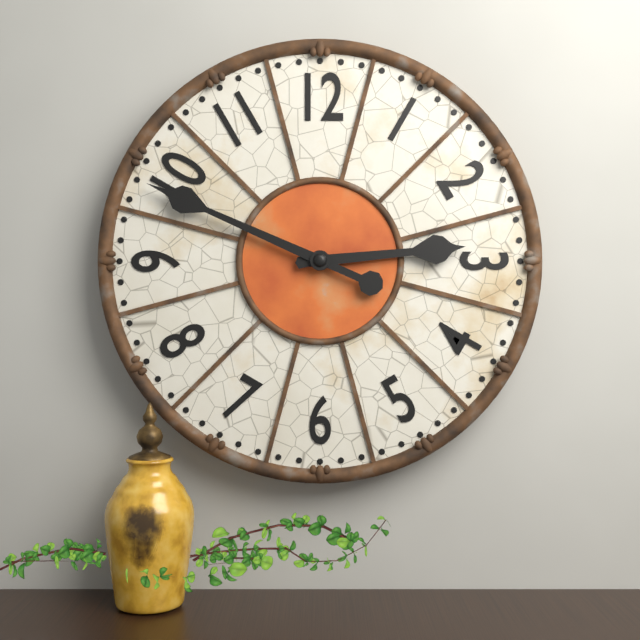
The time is 2,49
